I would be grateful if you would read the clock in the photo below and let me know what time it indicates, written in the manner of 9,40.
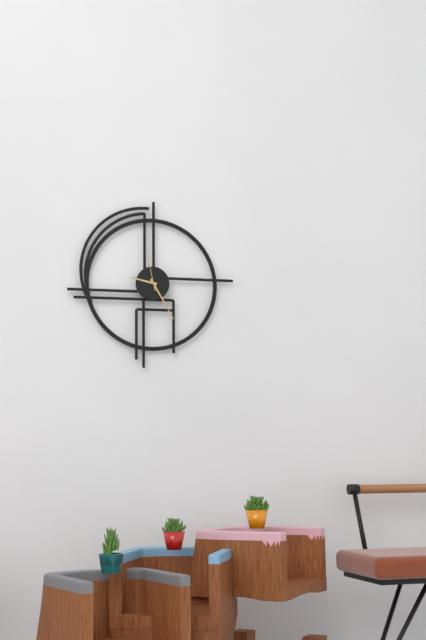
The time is 9,25
